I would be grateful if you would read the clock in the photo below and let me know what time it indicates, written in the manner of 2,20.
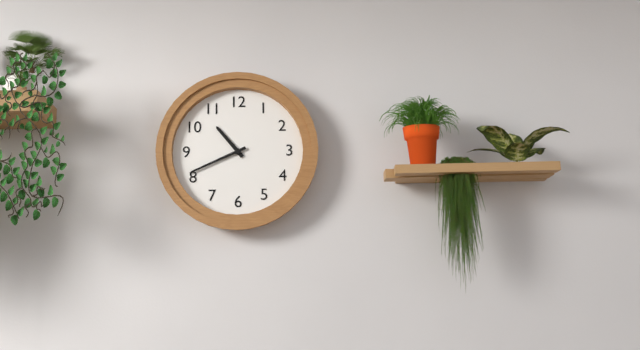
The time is 10,41
